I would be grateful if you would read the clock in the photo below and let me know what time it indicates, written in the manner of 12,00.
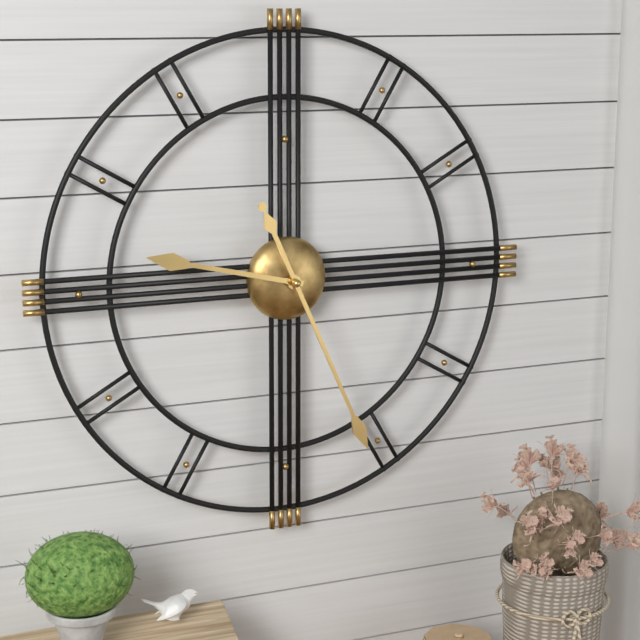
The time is 9,26
